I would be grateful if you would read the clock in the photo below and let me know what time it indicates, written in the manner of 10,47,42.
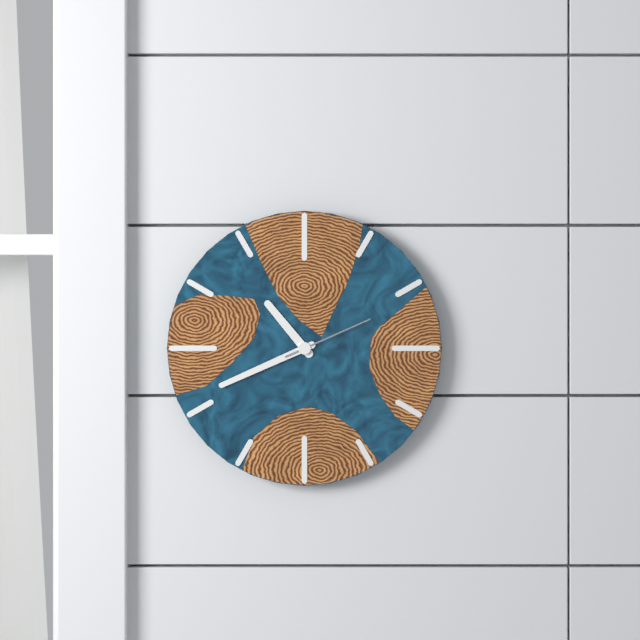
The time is 10,41,11
